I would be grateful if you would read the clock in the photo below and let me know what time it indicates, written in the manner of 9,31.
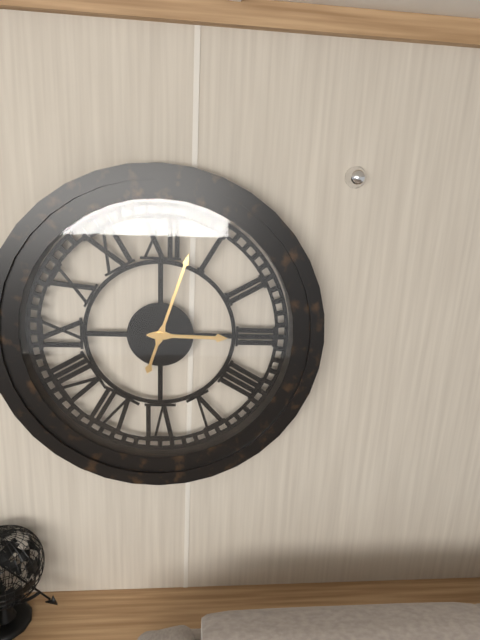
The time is 3,03
